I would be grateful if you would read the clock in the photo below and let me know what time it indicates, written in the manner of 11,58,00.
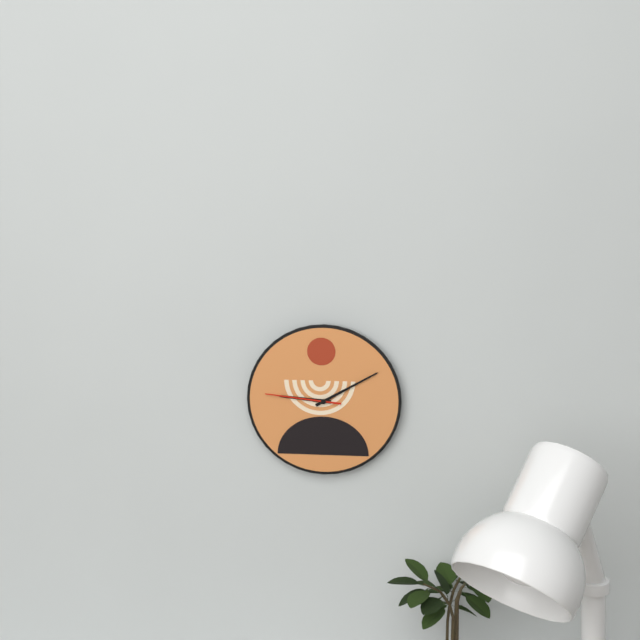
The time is 9,10,46
